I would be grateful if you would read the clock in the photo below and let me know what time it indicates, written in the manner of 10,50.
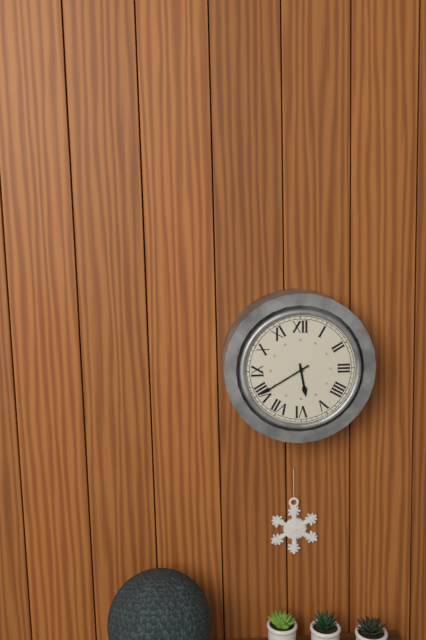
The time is 5,40
